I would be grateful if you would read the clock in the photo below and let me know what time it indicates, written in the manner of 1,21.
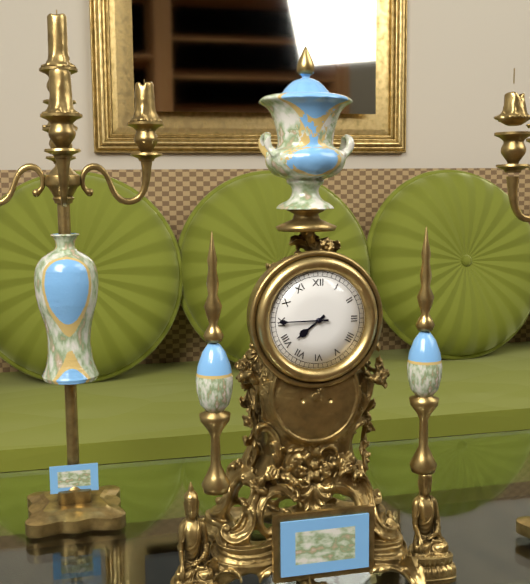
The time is 7,45
